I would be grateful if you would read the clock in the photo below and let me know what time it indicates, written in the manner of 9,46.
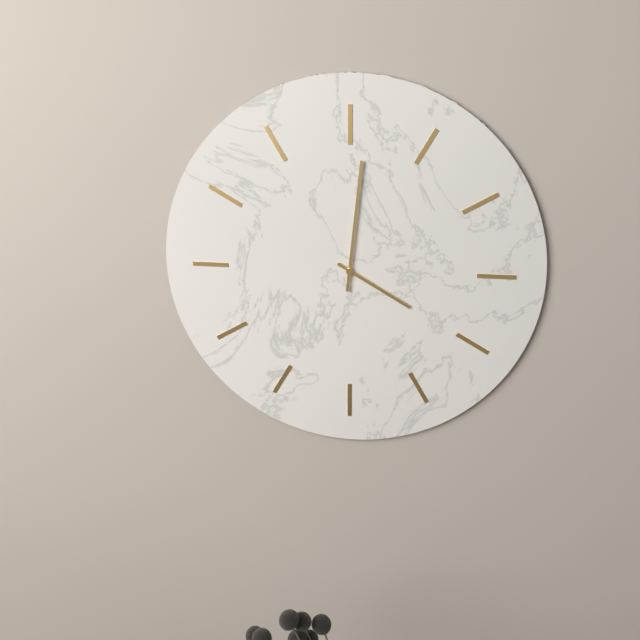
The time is 4,01
